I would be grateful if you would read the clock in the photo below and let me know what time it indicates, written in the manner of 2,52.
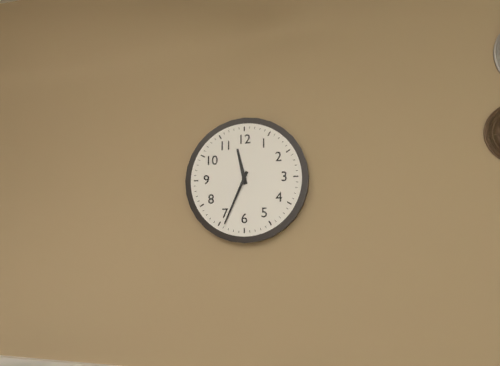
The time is 11,34
